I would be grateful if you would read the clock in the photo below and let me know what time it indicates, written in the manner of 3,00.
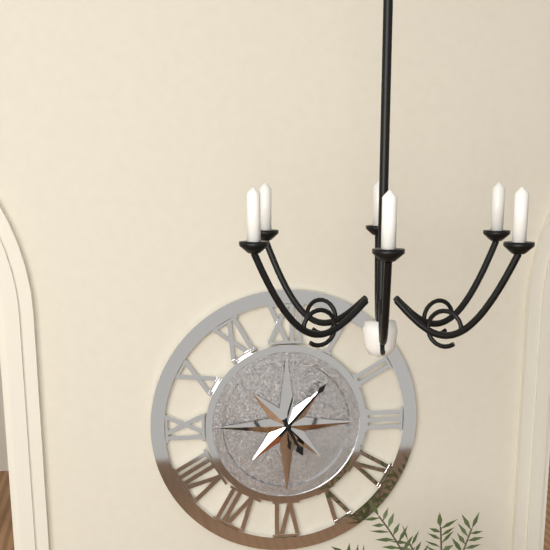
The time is 5,07
